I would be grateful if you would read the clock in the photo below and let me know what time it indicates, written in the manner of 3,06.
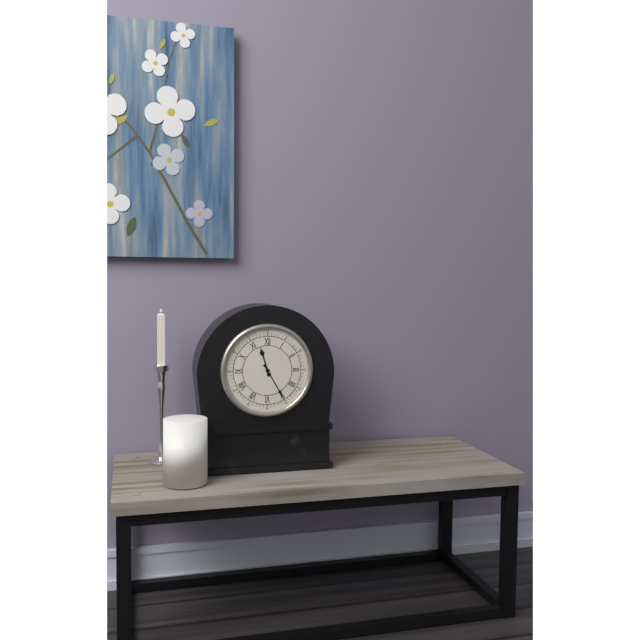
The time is 11,25
